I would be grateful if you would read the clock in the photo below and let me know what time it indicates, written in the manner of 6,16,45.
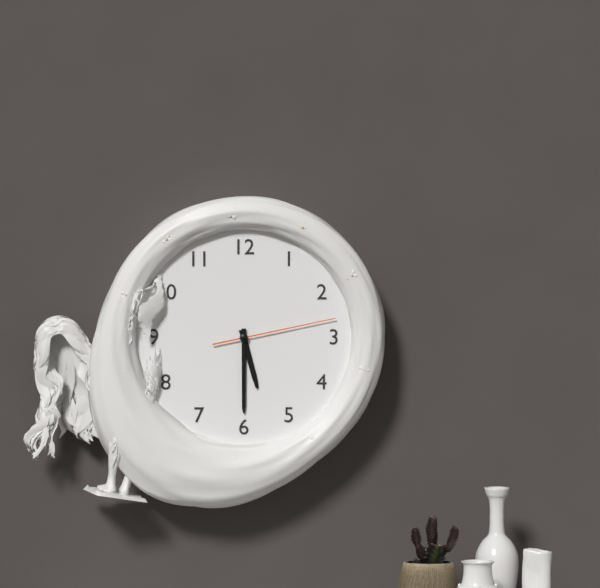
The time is 5,30,13
